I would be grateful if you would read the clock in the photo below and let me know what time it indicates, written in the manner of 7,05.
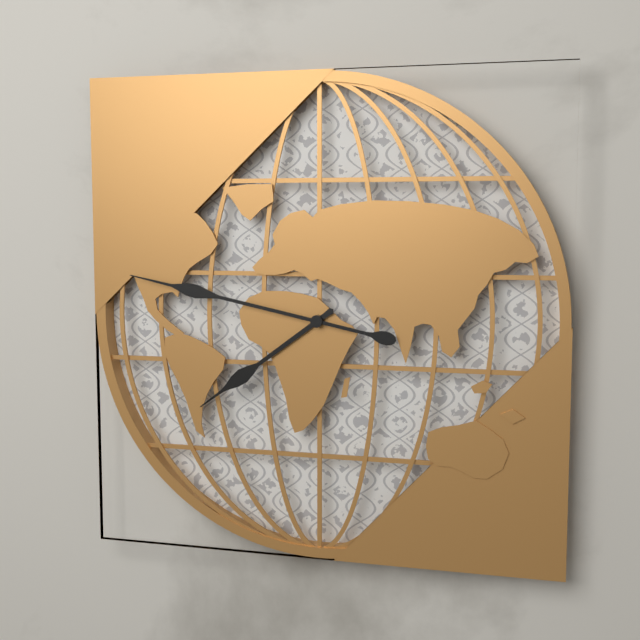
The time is 7,47
